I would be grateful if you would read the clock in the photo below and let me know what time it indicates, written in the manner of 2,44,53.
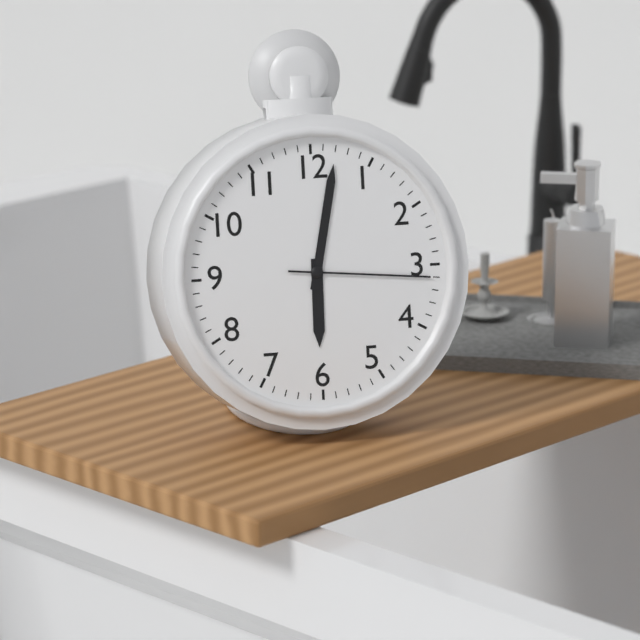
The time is 6,02,16
